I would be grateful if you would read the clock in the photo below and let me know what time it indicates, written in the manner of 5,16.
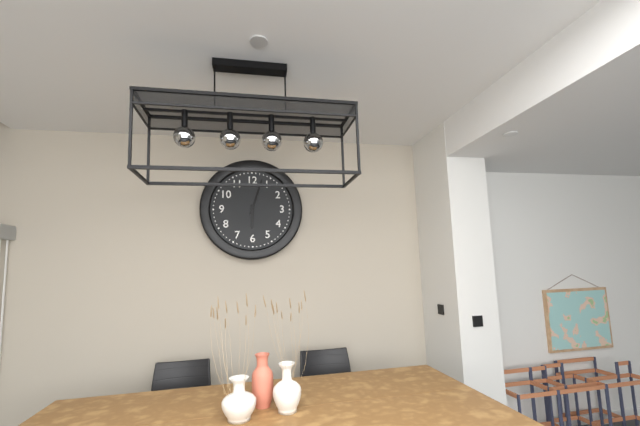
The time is 6,03
